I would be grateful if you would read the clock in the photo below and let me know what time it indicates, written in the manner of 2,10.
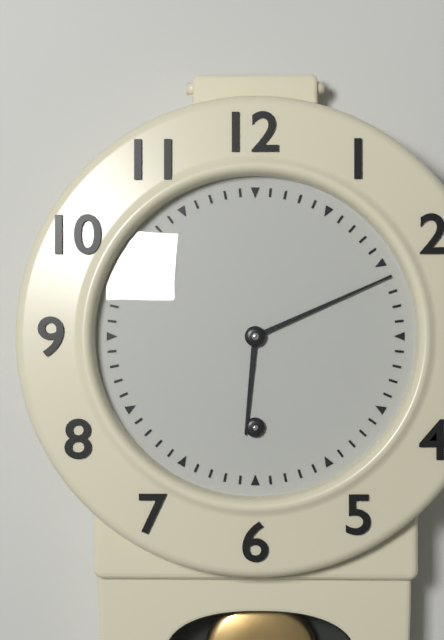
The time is 6,11
